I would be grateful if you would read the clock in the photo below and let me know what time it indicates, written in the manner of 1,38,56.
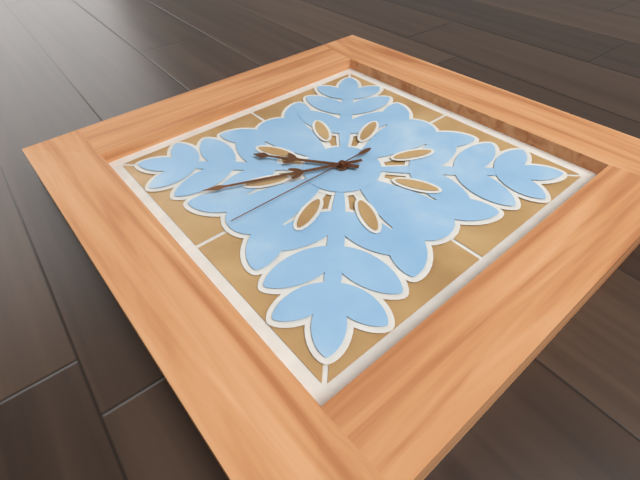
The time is 10,49,45
